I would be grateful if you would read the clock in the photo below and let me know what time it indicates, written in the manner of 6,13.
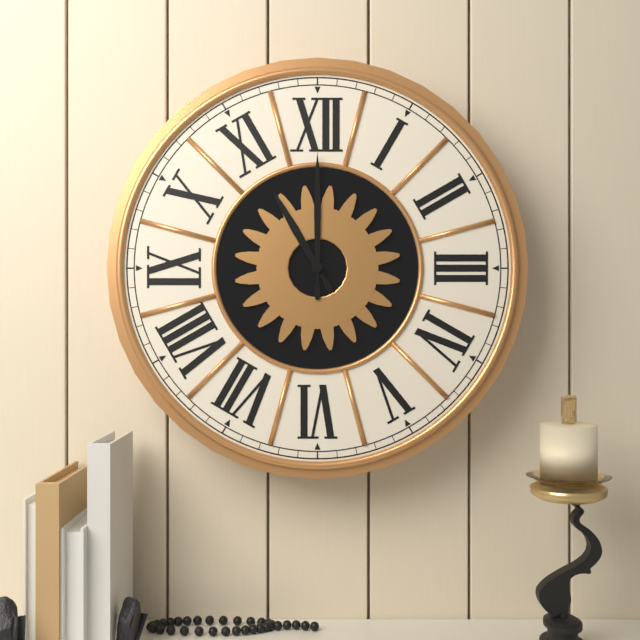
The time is 11,00
